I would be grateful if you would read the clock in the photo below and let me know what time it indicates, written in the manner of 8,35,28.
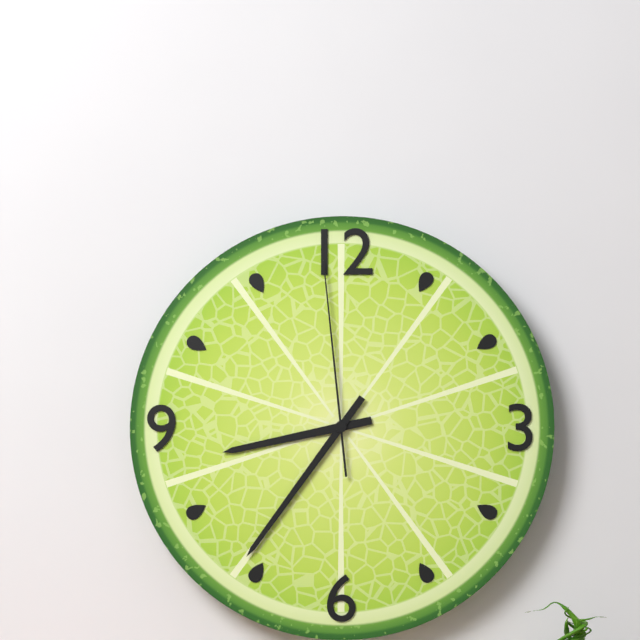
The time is 8,36,59
